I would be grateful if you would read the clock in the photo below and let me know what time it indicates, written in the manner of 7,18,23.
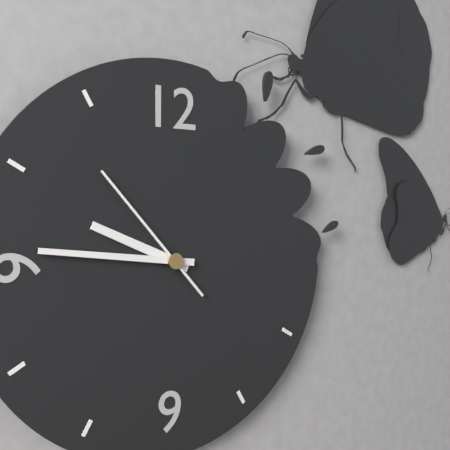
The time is 9,46,53
